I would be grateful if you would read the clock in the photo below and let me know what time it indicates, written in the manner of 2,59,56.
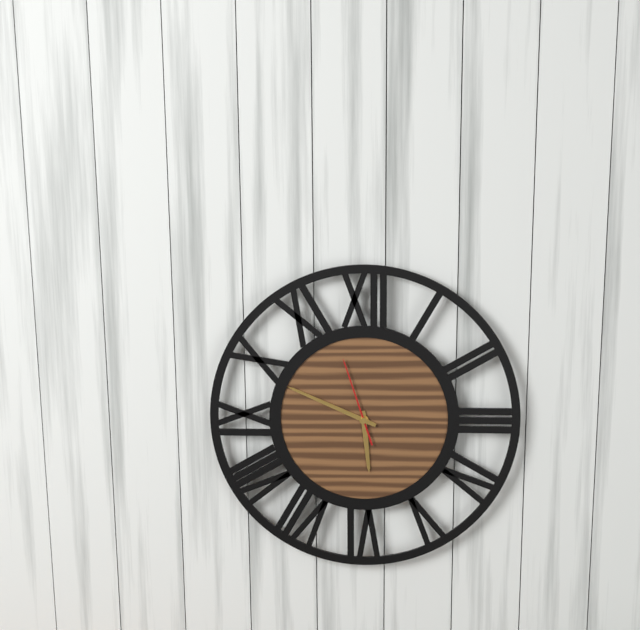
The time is 5,49,57
